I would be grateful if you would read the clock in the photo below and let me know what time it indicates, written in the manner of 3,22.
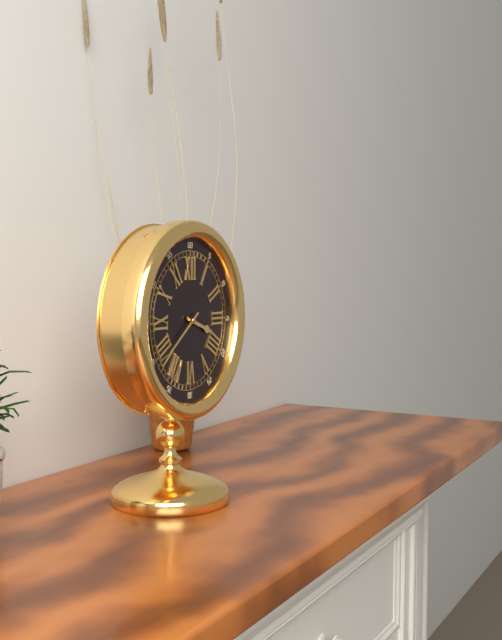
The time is 3,39
